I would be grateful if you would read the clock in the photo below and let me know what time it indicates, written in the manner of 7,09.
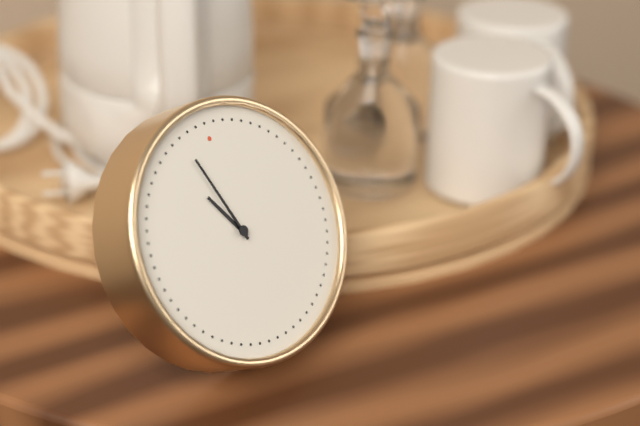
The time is 10,57
